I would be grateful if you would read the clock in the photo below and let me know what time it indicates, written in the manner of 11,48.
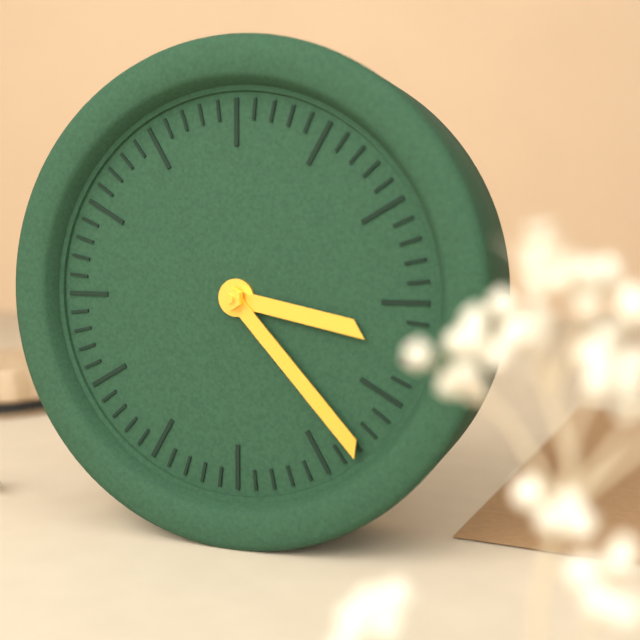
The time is 3,23
